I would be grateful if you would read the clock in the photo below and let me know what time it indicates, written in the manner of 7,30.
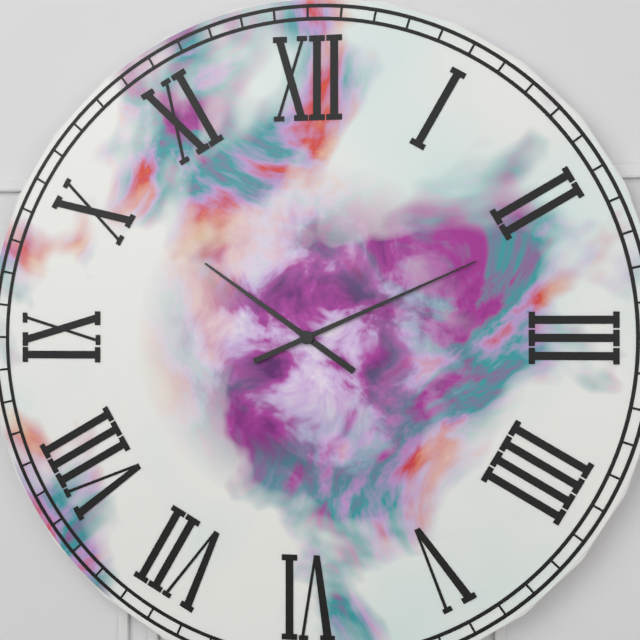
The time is 10,11
